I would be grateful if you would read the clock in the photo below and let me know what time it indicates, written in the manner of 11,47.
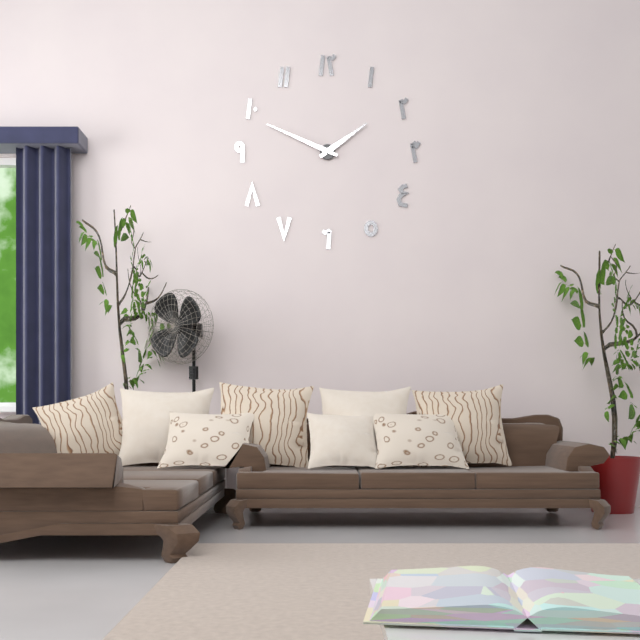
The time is 1,49
